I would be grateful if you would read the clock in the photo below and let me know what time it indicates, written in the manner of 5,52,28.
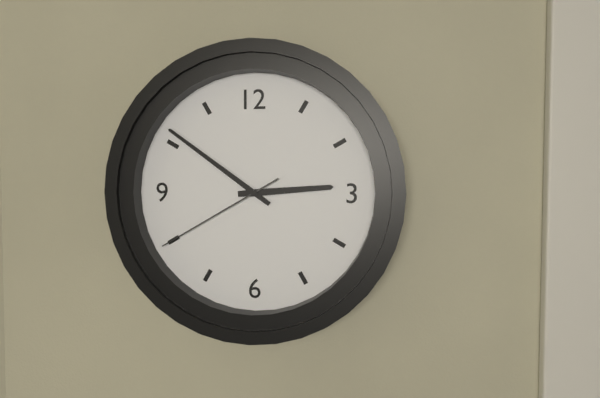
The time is 2,51,40
